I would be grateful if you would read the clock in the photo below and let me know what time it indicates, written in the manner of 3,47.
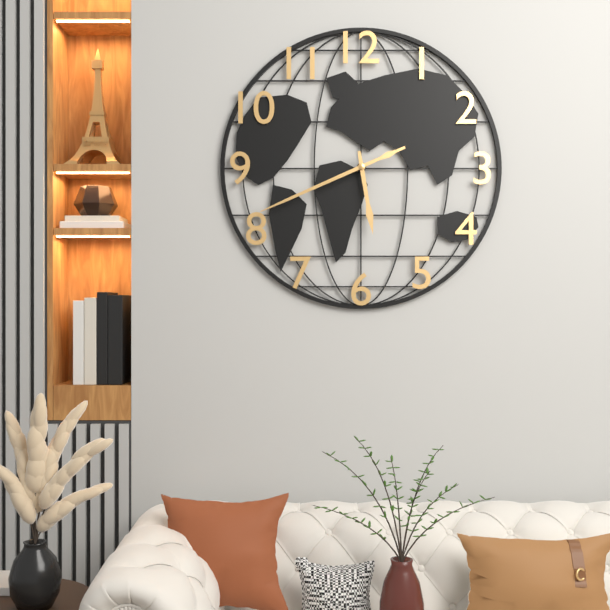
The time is 5,41
